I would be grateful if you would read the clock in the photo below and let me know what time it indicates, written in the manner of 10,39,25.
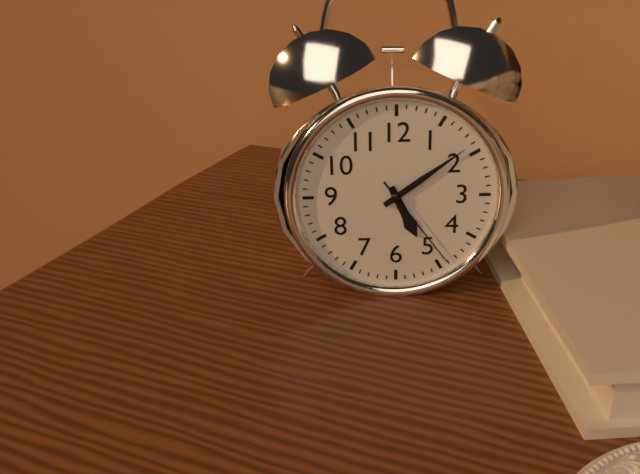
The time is 5,09,24
